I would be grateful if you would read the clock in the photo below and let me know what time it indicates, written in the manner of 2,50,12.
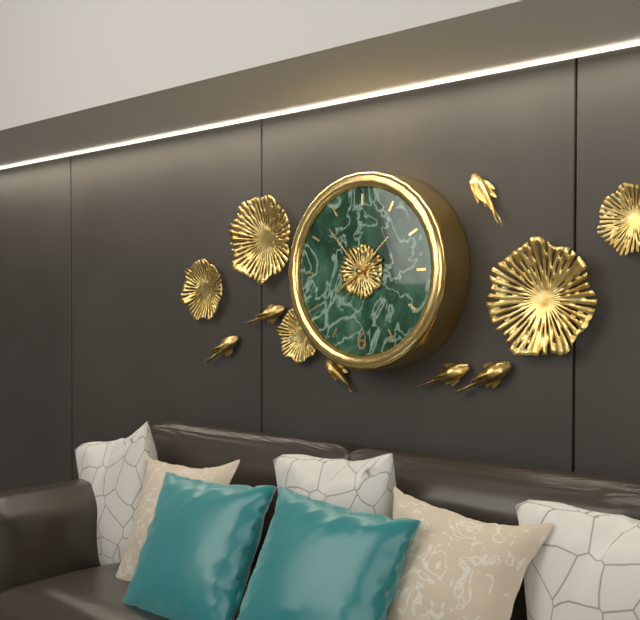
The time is 7,53,08
